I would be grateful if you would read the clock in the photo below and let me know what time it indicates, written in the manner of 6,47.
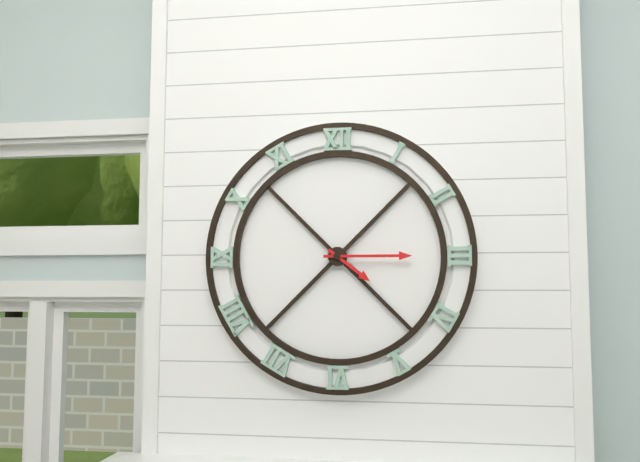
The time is 4,15
